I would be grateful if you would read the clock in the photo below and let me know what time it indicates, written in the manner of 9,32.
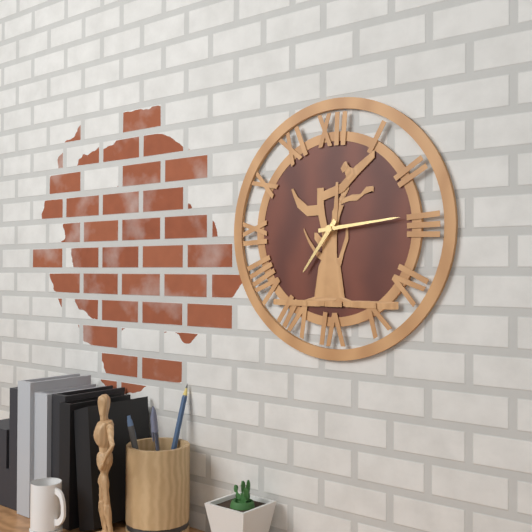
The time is 7,14
